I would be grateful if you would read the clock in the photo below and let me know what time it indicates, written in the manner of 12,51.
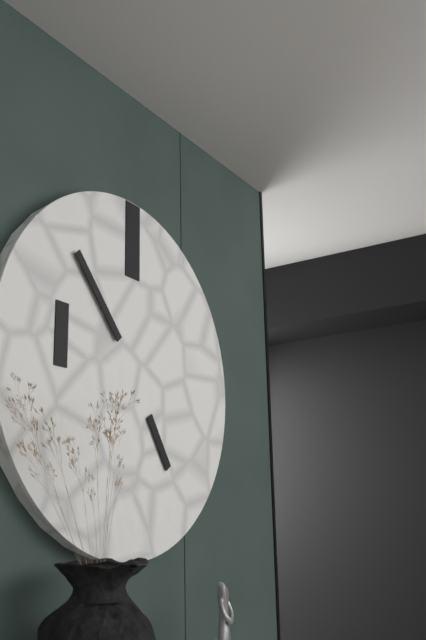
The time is 4,53
